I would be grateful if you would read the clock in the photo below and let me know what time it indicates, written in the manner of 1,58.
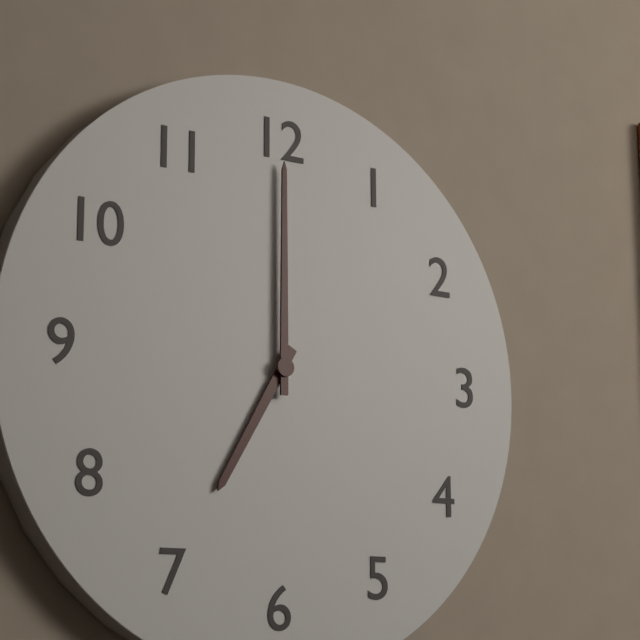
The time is 7,00
